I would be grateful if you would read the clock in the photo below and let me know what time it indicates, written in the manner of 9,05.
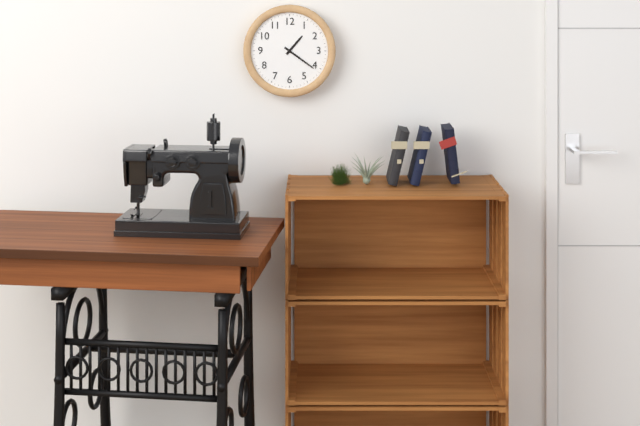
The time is 1,21
